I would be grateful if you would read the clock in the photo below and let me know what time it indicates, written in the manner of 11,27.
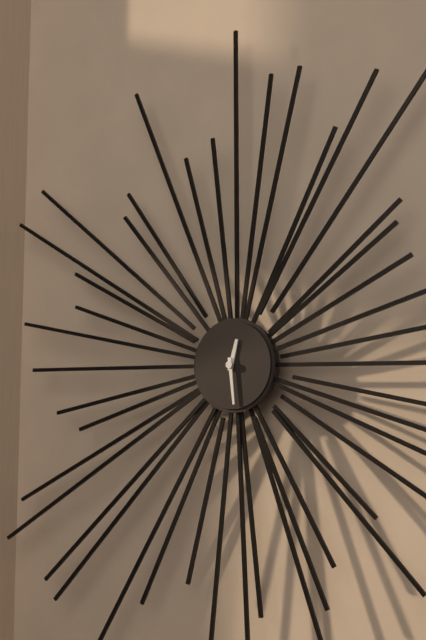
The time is 12,29
